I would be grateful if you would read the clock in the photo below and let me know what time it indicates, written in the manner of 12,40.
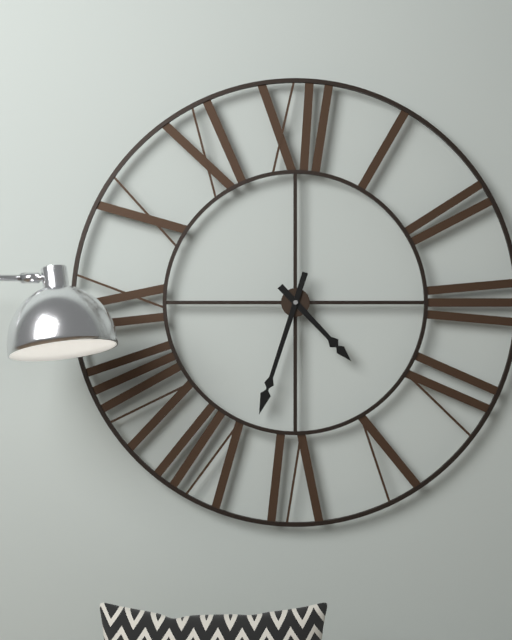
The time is 4,33
